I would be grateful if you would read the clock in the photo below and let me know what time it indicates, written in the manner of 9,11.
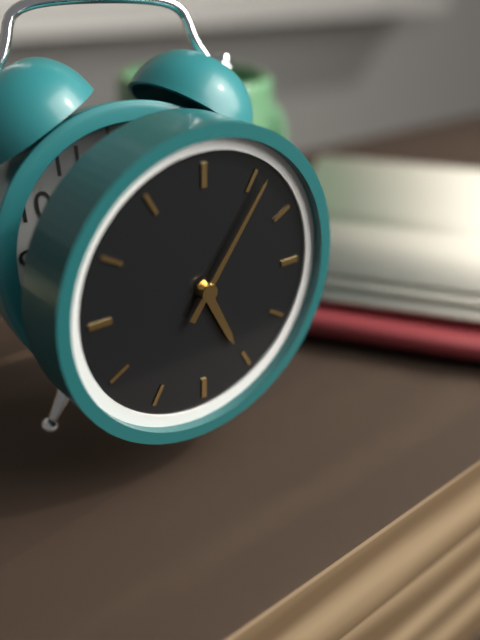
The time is 5,06
